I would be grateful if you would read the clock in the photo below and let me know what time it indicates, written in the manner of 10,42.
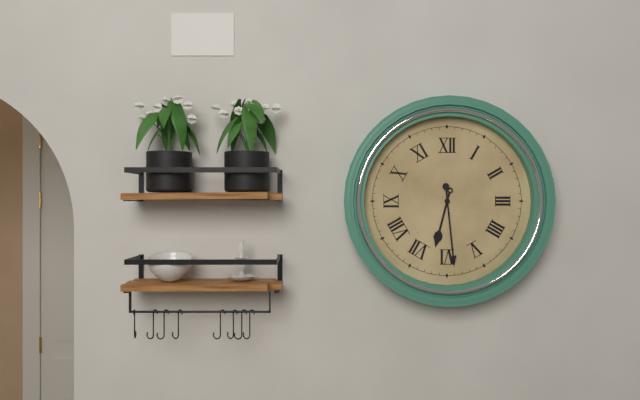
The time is 6,29
